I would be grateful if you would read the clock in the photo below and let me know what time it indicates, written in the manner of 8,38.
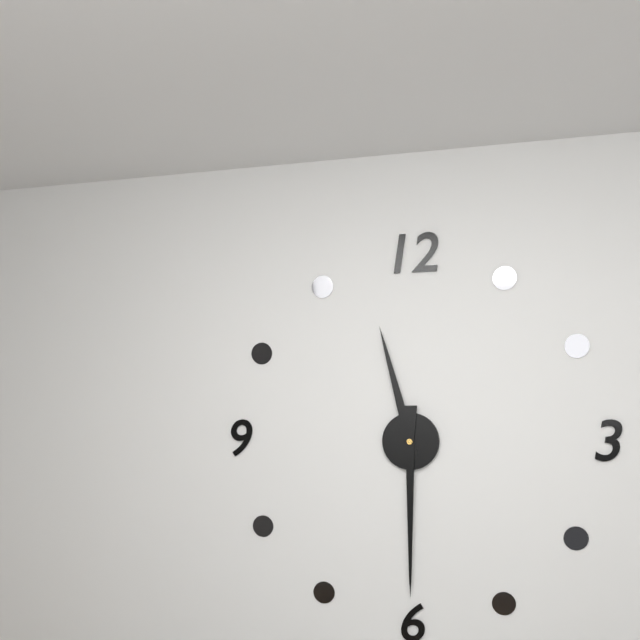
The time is 11,30
